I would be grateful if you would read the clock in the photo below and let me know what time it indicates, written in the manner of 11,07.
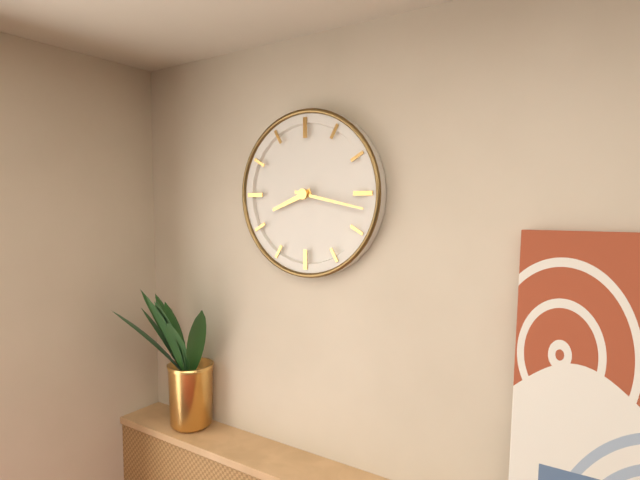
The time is 8,17
